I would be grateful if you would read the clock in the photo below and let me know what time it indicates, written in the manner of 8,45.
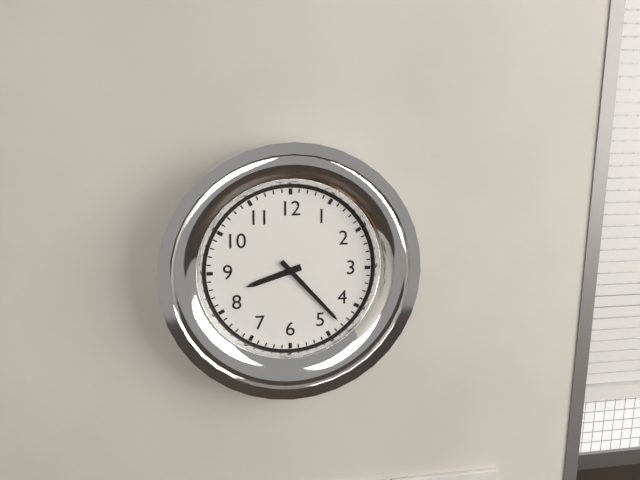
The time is 8,23
